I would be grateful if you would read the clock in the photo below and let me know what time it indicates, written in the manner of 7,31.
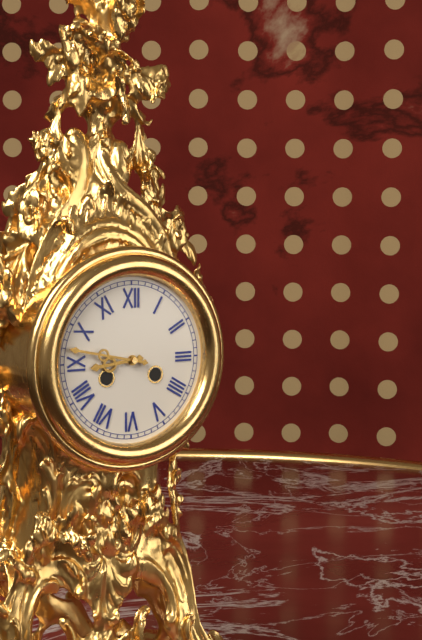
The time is 8,47
